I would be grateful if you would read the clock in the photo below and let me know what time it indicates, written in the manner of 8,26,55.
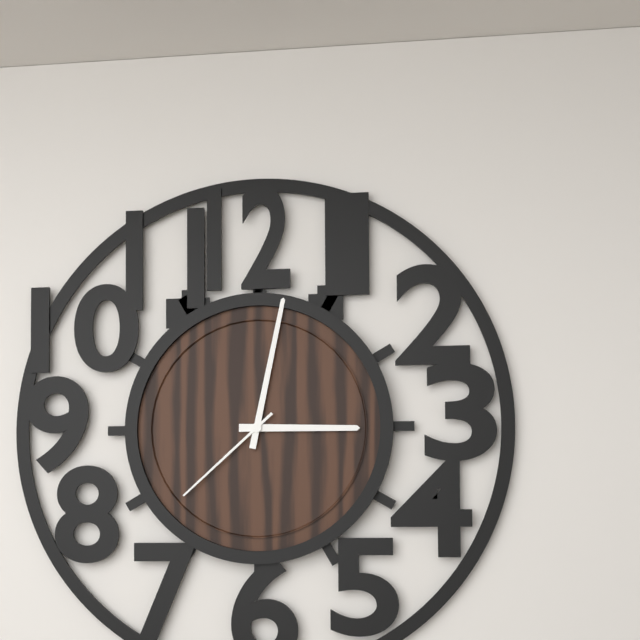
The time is 3,02,38
